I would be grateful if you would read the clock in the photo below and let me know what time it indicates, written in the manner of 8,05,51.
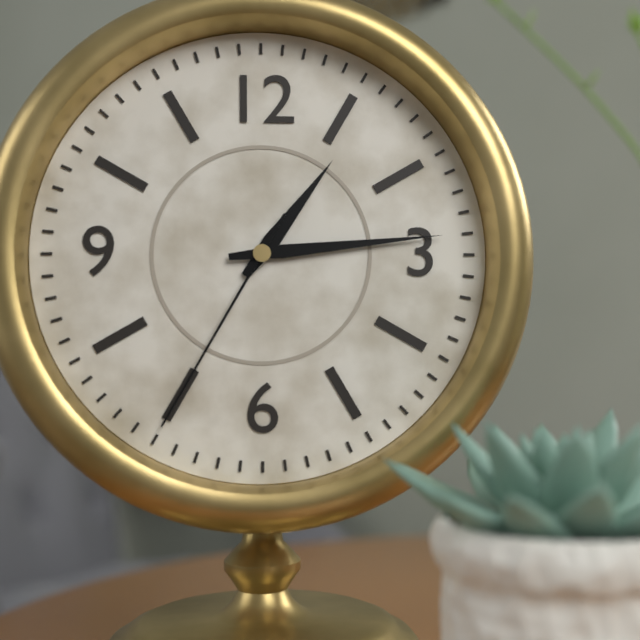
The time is 1,14,35
